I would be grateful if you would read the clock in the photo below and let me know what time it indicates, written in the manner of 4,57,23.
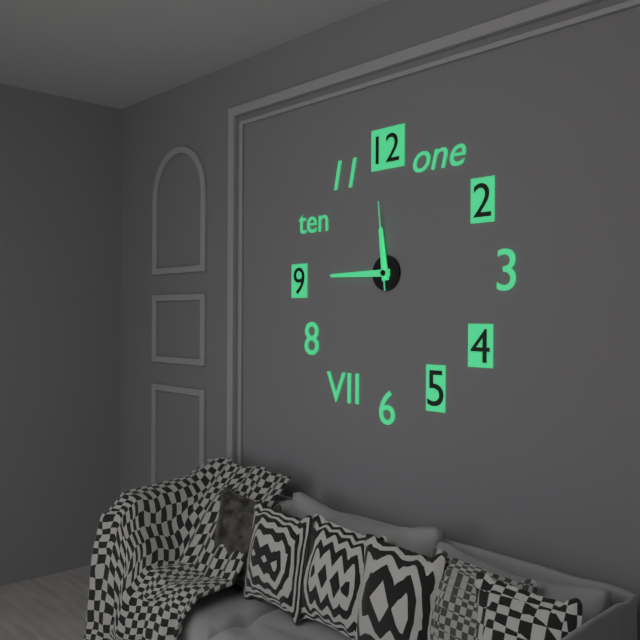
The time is 11,45,59
